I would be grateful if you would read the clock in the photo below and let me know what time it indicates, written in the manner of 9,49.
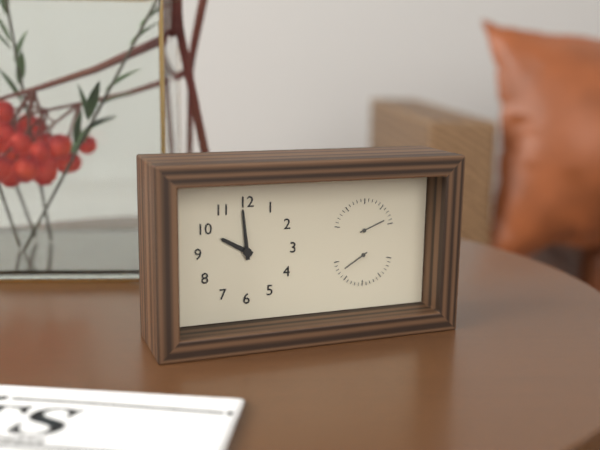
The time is 9,59
